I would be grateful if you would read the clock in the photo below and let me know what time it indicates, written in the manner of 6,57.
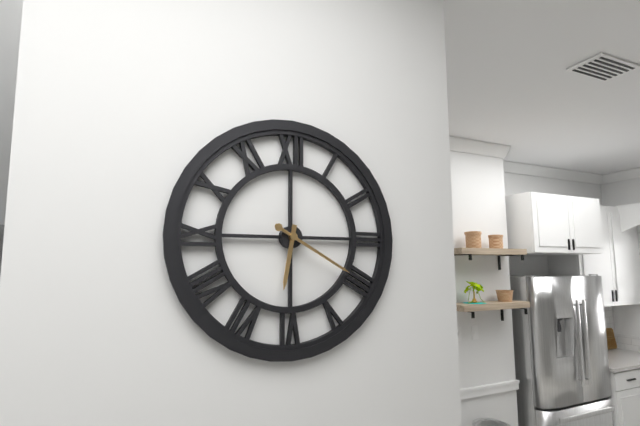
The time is 6,20
